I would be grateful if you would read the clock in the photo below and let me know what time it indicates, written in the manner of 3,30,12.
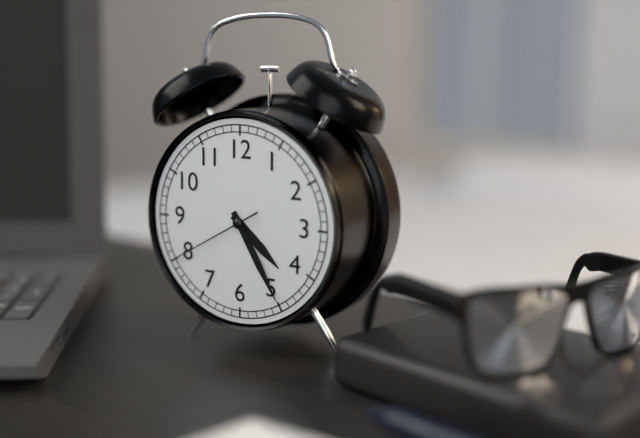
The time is 4,25,40
